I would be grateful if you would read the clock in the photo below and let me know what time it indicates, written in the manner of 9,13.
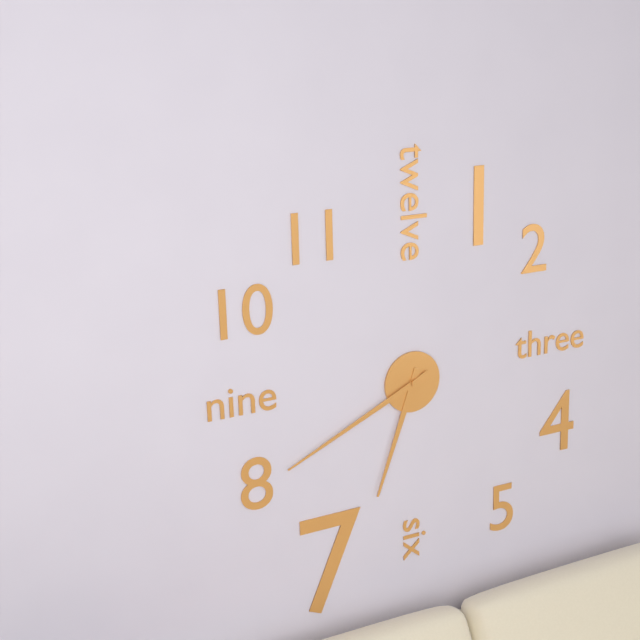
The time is 6,41
